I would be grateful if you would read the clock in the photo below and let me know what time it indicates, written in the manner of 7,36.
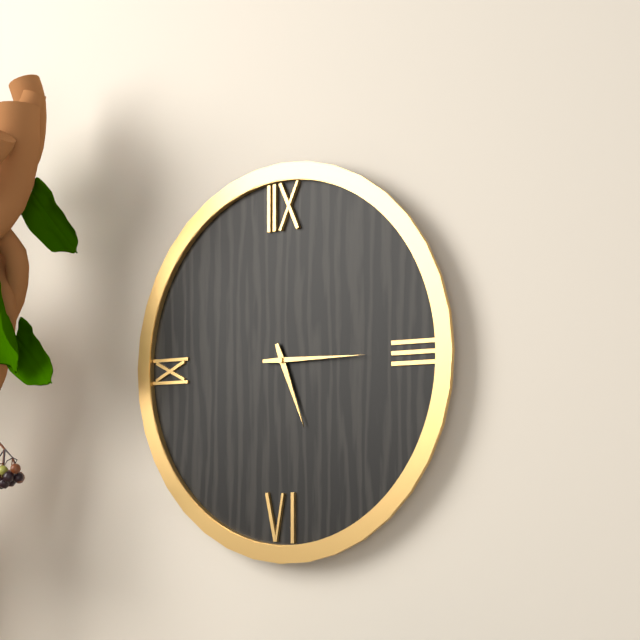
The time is 5,15
